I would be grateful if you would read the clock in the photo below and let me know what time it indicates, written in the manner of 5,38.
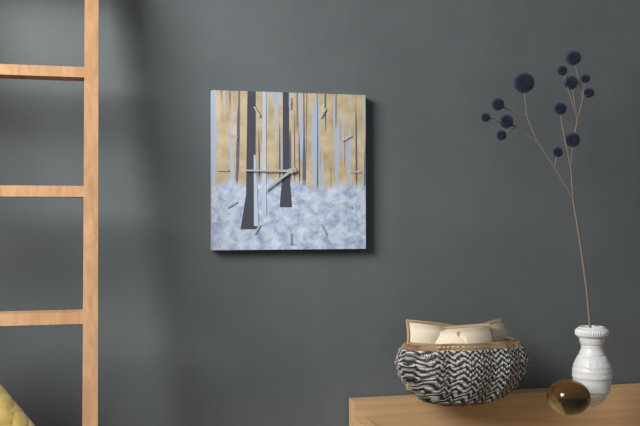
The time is 7,45
